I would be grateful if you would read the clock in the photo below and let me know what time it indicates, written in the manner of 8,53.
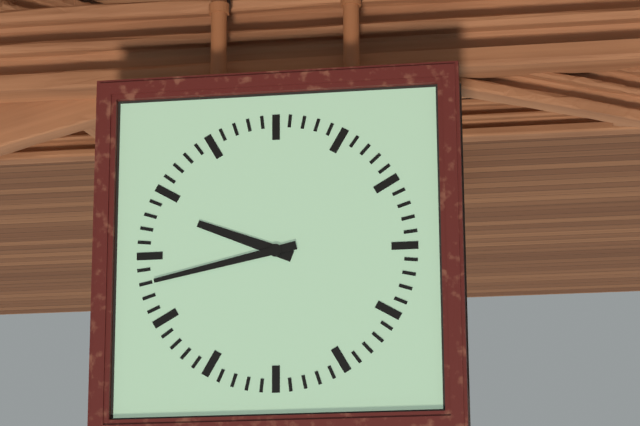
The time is 9,43
